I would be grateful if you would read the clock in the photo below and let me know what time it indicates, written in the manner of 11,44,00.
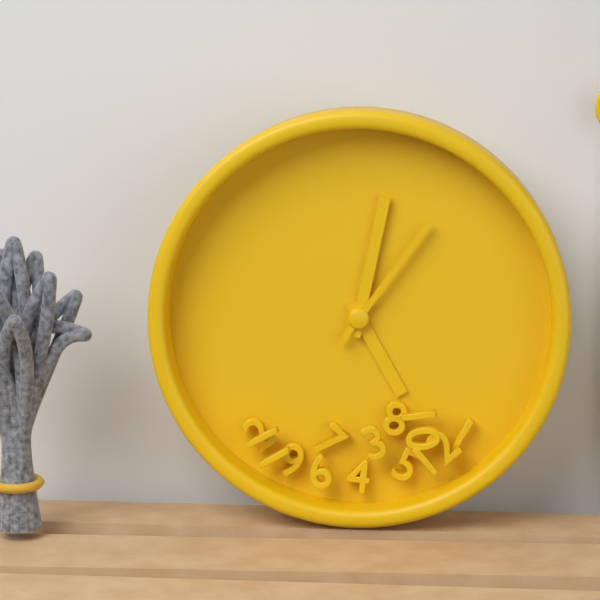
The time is 5,02,06
